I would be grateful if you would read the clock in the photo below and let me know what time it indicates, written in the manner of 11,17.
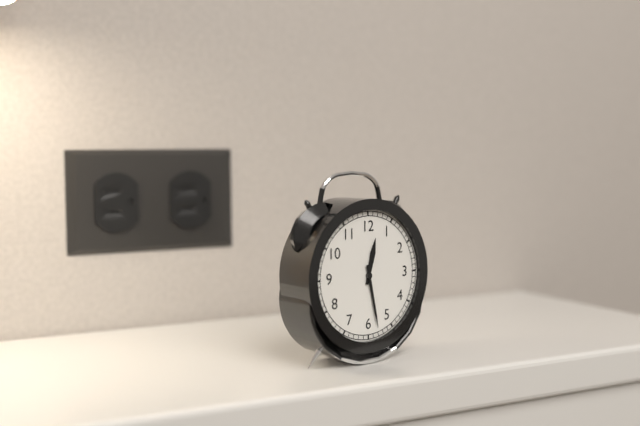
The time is 12,28
